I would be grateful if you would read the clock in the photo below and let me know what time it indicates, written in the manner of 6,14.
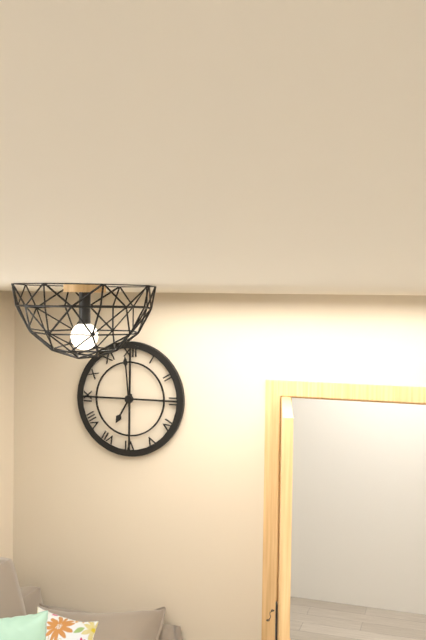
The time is 6,59
